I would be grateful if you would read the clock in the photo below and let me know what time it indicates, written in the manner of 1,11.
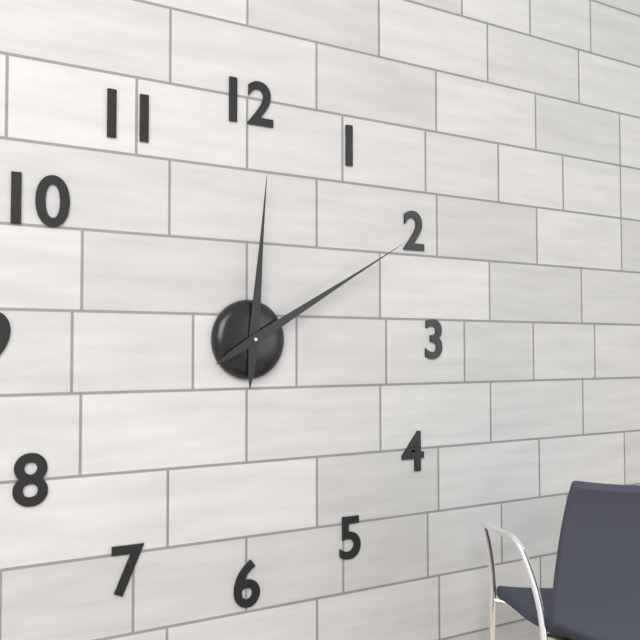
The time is 12,10
